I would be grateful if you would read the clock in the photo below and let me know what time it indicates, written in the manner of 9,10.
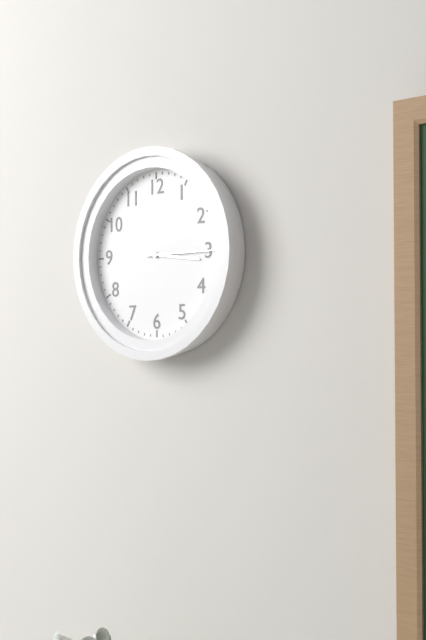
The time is 3,15
